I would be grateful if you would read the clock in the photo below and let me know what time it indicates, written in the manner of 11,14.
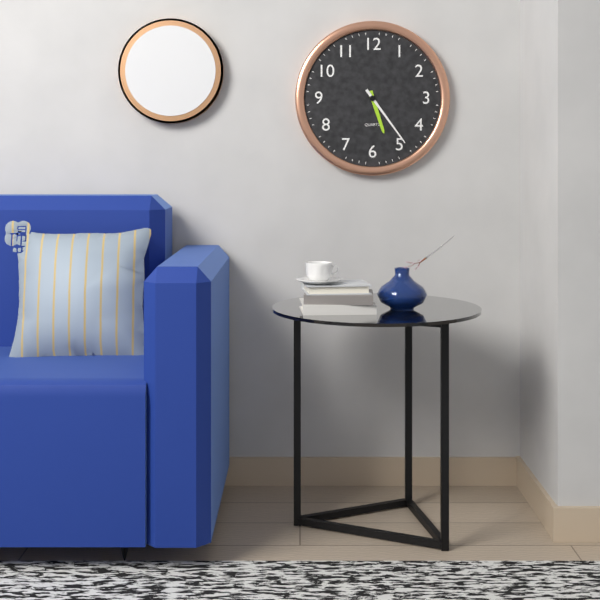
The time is 5,24
